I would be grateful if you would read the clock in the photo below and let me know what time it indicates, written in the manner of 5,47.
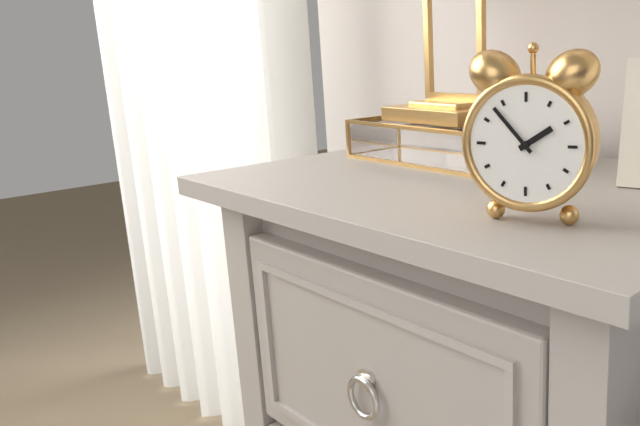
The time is 1,53
